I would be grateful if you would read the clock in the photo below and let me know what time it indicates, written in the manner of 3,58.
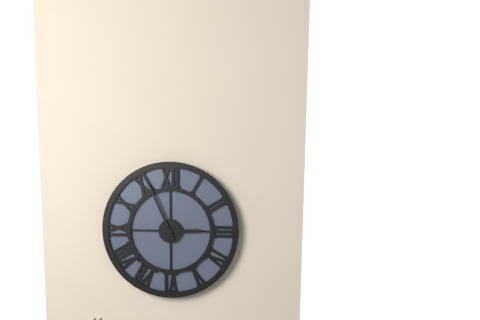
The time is 2,56
